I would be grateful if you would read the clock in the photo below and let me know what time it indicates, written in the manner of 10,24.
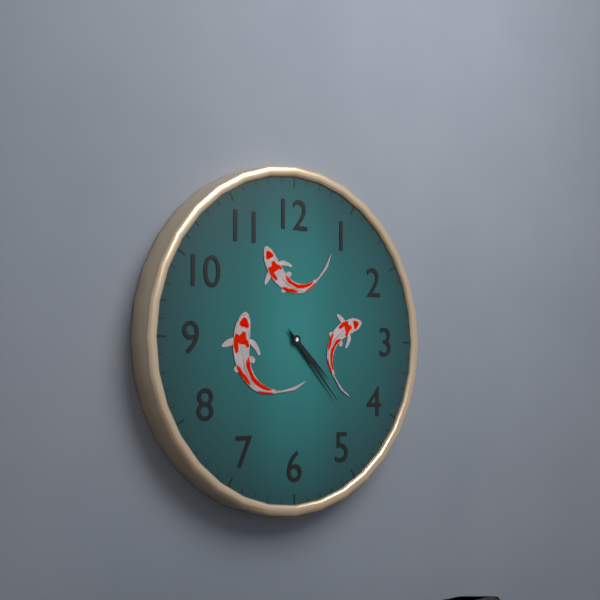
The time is 4,23
